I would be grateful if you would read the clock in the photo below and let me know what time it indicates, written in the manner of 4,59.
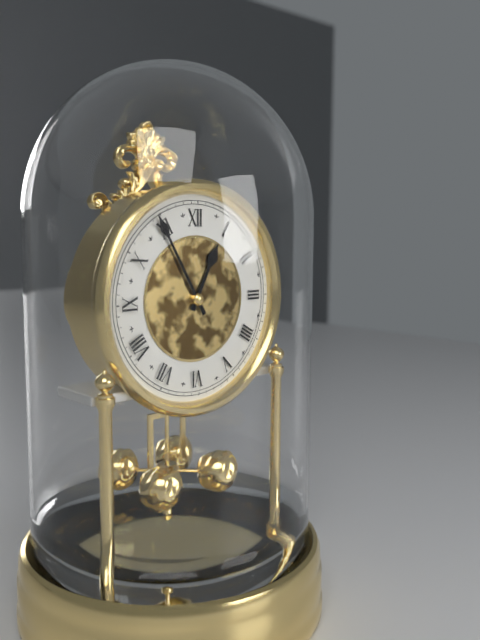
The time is 12,55
